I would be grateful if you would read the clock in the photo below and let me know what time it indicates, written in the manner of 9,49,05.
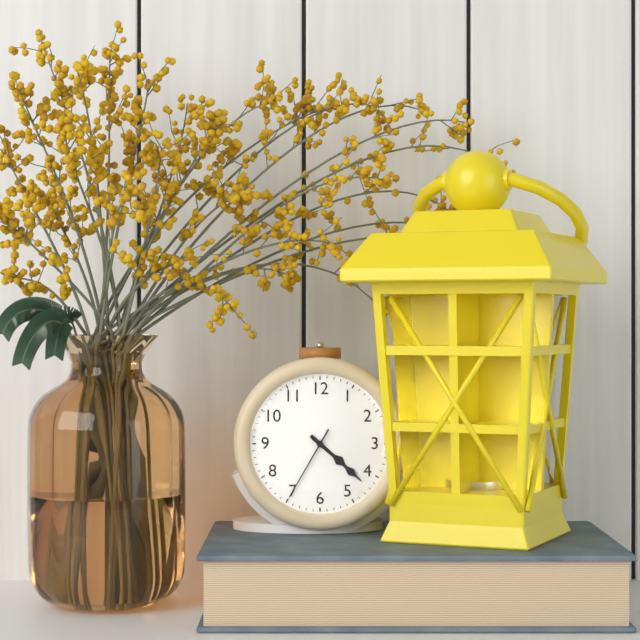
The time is 4,22,35
